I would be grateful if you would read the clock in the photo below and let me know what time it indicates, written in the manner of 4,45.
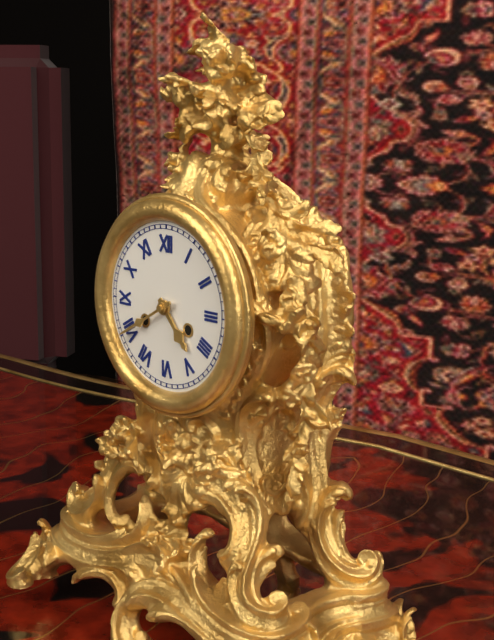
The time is 4,40
